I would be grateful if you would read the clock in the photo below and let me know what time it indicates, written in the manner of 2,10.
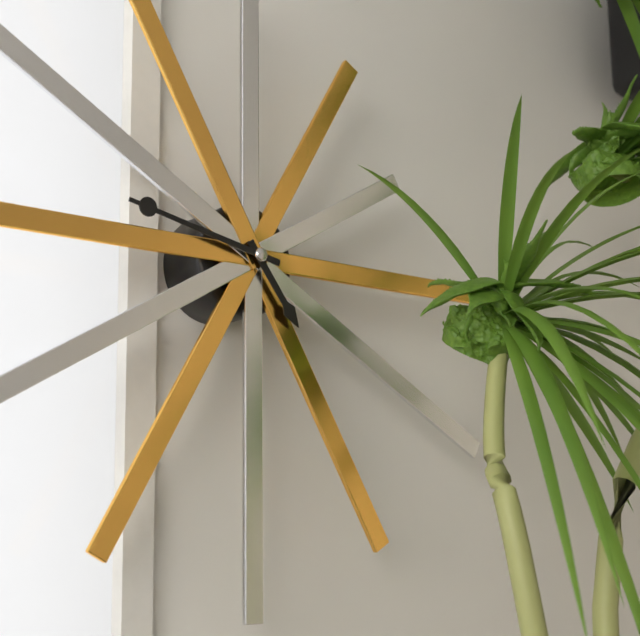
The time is 4,47
